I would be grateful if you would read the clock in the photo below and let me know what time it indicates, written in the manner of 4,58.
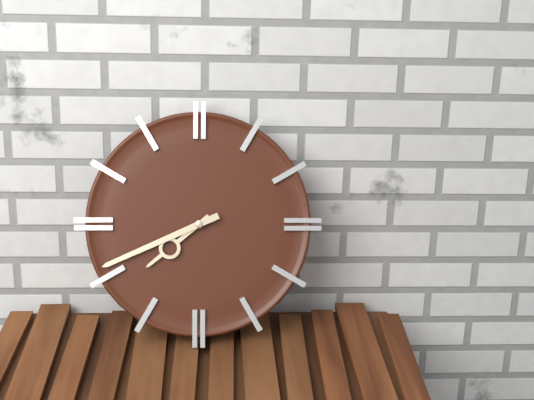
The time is 7,41
